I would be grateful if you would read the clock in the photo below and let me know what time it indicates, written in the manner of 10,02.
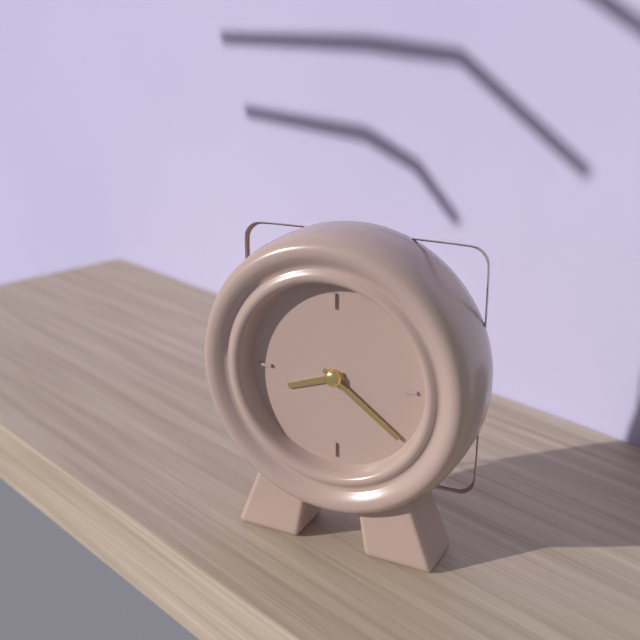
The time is 8,21
